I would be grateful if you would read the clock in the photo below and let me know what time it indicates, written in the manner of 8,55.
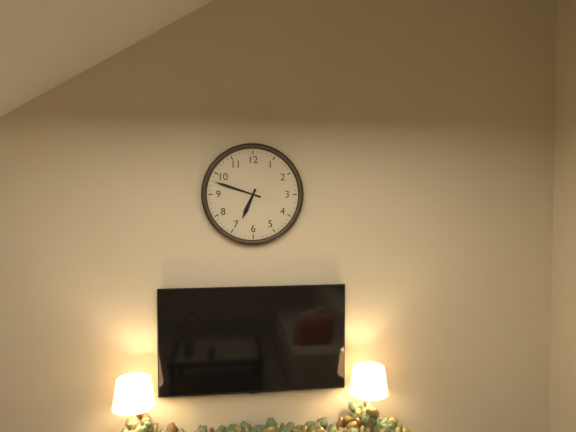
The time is 6,48
